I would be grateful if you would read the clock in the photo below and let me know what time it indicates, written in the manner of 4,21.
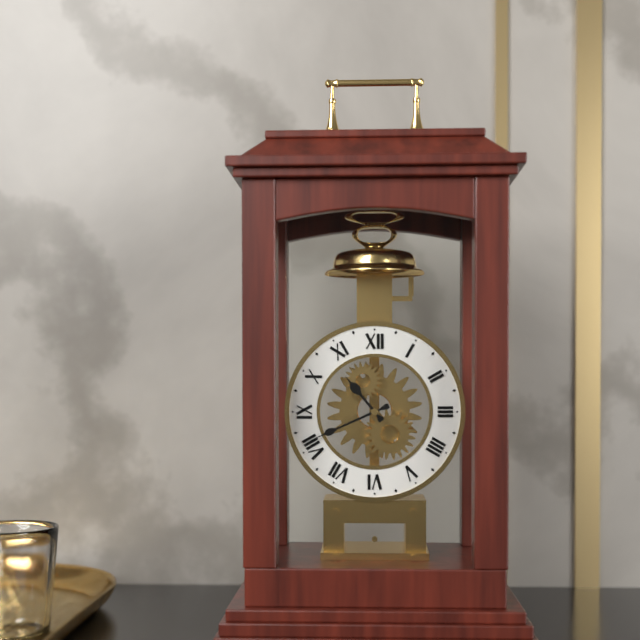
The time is 10,41
